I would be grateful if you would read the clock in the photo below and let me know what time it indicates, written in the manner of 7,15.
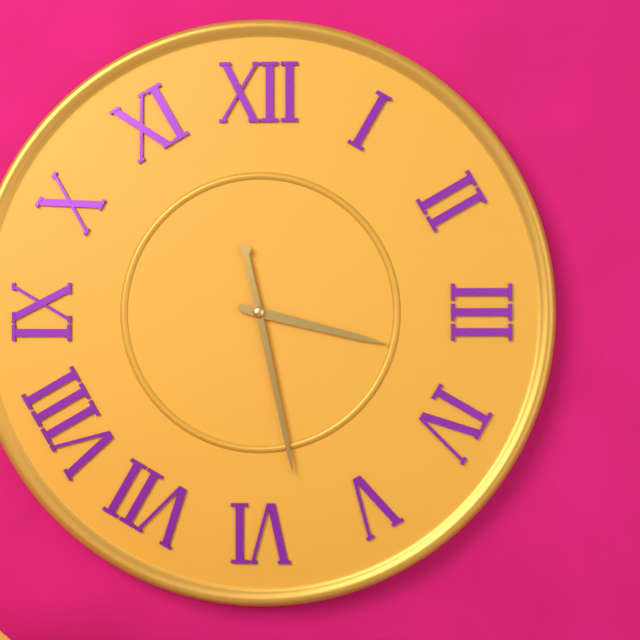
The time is 3,28
